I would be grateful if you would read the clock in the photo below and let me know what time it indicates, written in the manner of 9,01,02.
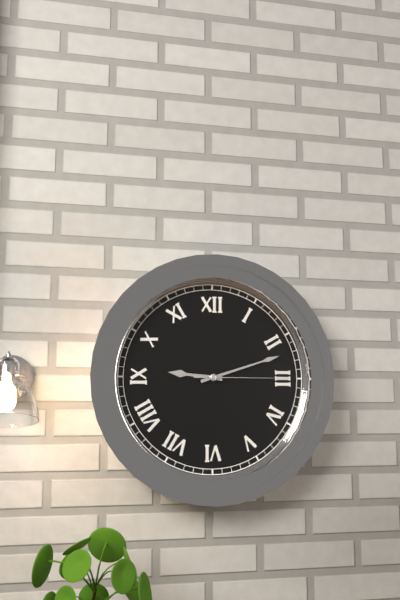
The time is 9,12,15
